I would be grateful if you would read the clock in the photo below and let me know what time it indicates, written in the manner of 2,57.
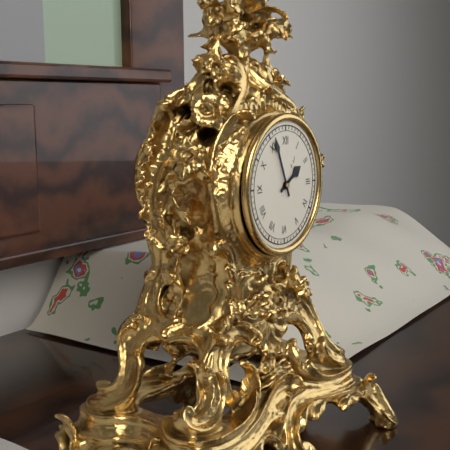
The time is 1,56
